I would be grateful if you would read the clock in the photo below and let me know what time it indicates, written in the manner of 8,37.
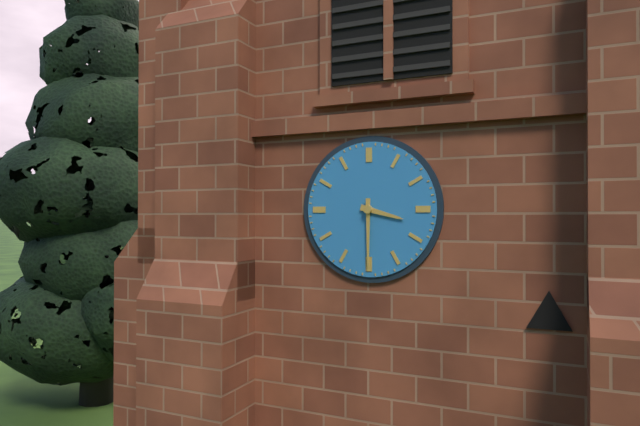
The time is 3,30
